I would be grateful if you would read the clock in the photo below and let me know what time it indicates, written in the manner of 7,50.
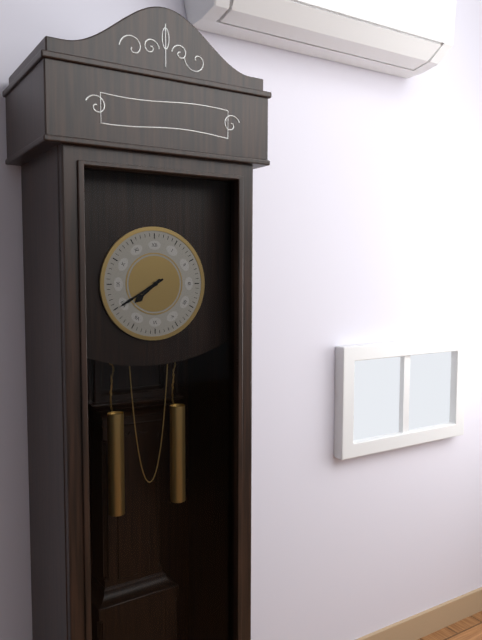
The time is 7,40
